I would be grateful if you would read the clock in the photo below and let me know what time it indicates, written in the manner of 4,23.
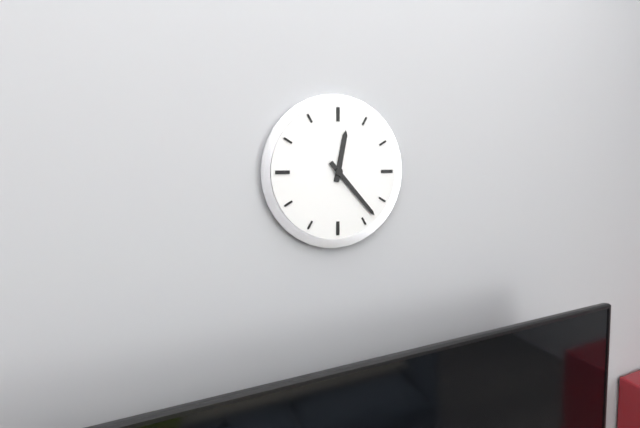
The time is 12,23
